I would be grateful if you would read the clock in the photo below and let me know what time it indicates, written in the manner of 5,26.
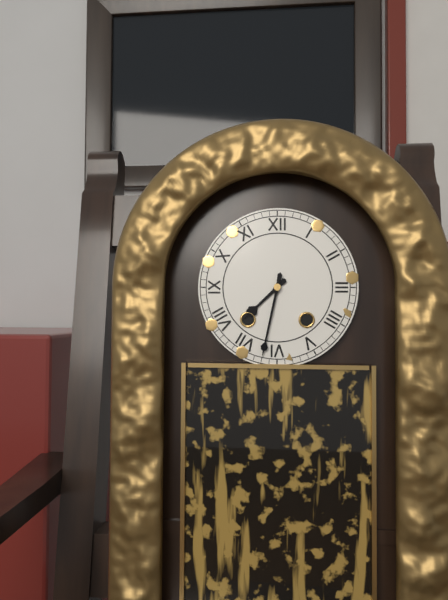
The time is 7,32
